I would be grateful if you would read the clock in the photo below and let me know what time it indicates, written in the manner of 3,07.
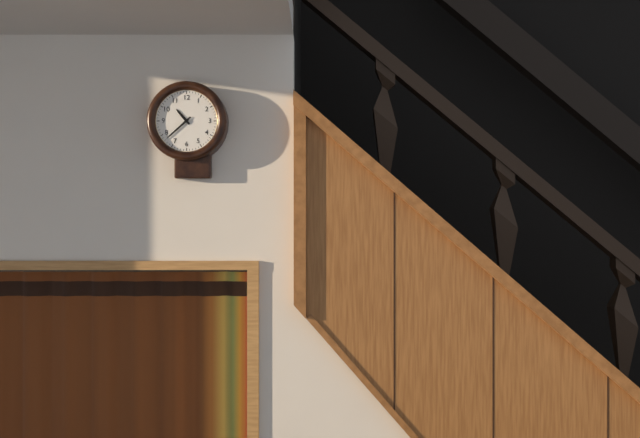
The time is 10,38
